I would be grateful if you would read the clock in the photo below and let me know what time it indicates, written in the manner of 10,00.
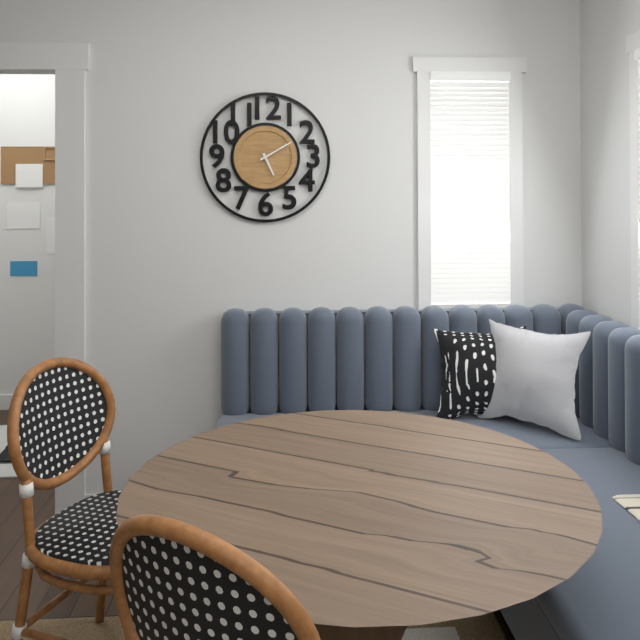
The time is 5,10
